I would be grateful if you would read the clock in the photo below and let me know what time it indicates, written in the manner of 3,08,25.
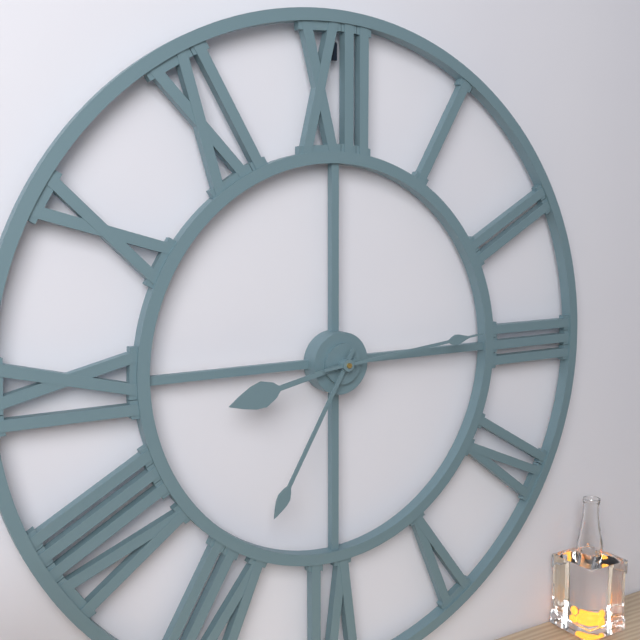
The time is 8,35,14
